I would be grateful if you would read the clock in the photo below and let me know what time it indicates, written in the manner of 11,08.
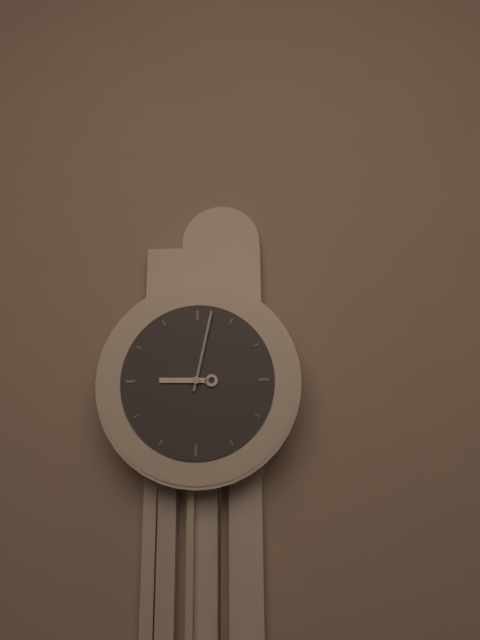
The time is 9,02
